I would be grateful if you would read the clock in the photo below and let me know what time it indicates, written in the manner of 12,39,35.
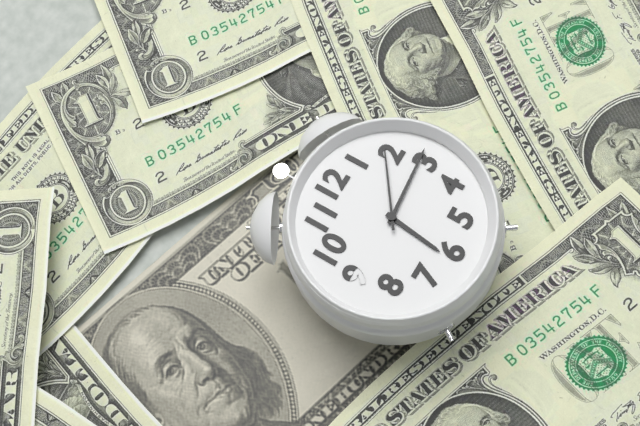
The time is 6,14,09
